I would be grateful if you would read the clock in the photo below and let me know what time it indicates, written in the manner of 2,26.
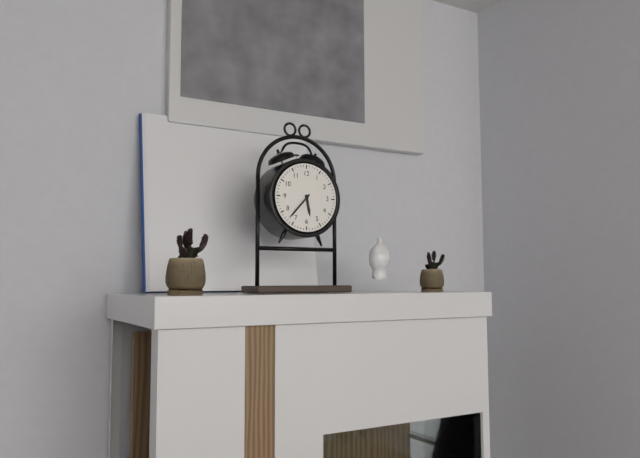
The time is 5,37
